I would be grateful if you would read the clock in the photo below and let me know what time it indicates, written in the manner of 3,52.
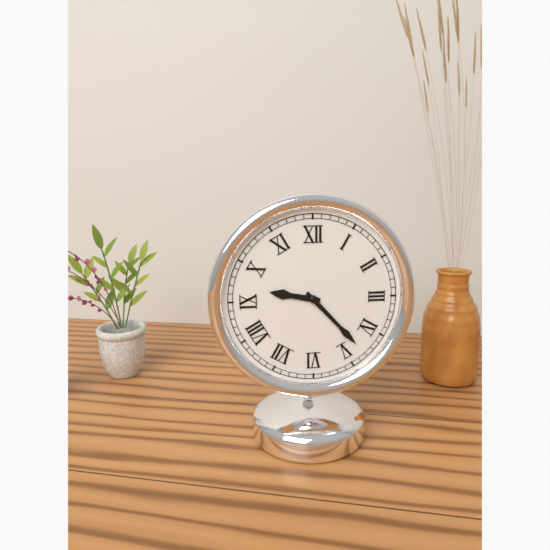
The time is 9,23
